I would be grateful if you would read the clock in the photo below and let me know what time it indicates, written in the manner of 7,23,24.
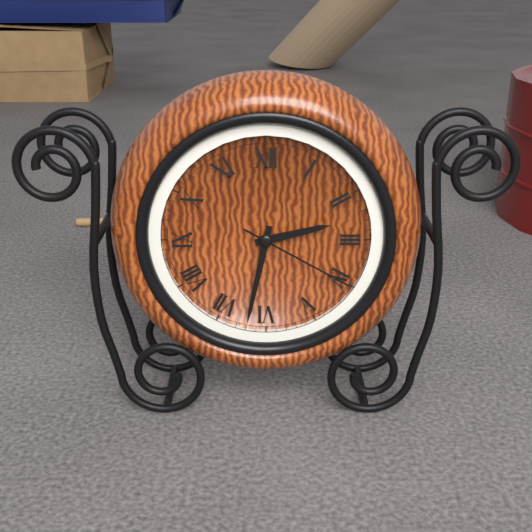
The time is 2,32,20
